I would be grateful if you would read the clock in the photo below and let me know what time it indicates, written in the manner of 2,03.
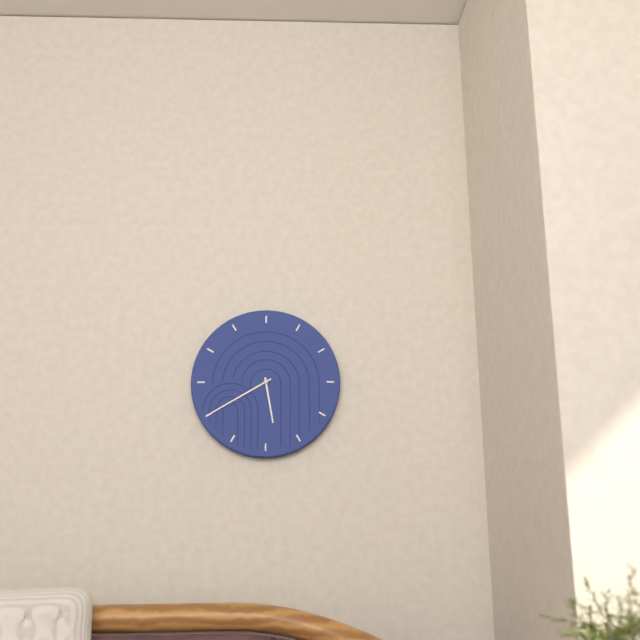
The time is 5,40
